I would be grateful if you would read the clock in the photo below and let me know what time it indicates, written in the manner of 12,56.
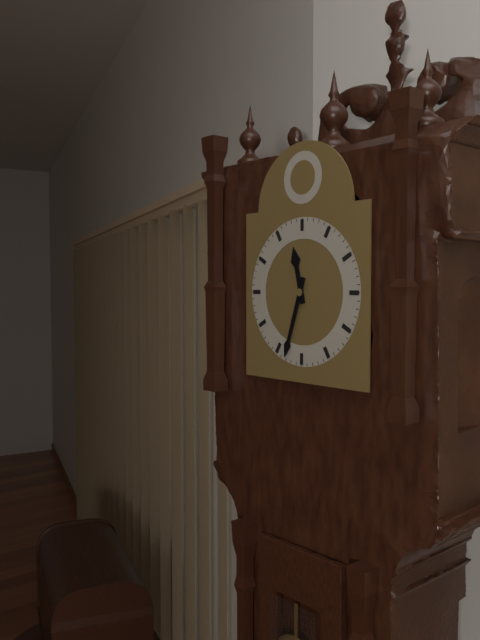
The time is 11,33
